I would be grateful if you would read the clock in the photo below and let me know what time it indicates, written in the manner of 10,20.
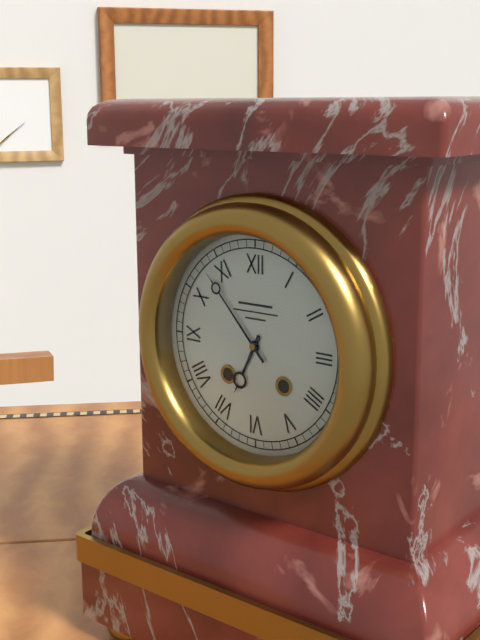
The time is 6,53
